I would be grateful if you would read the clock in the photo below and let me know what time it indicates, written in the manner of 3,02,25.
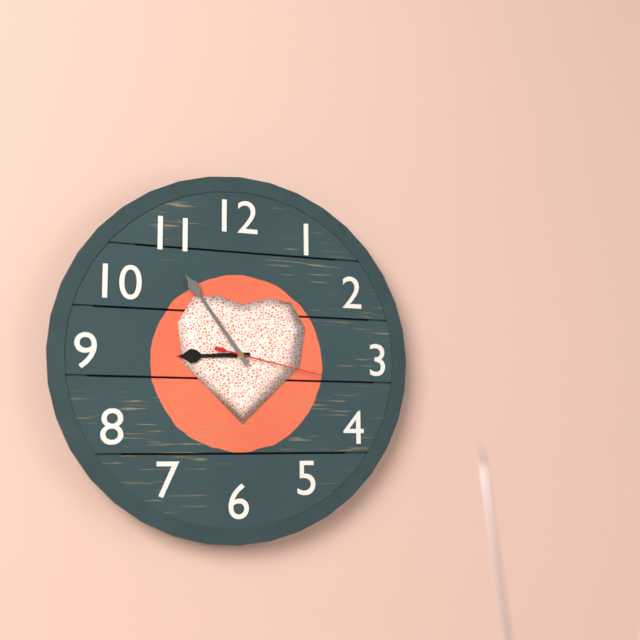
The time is 8,54,17
